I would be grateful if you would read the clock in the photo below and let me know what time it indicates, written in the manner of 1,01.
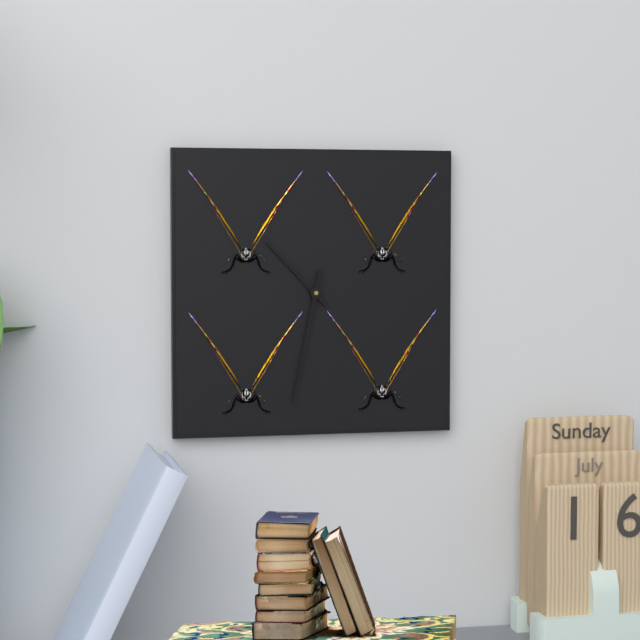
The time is 10,32
